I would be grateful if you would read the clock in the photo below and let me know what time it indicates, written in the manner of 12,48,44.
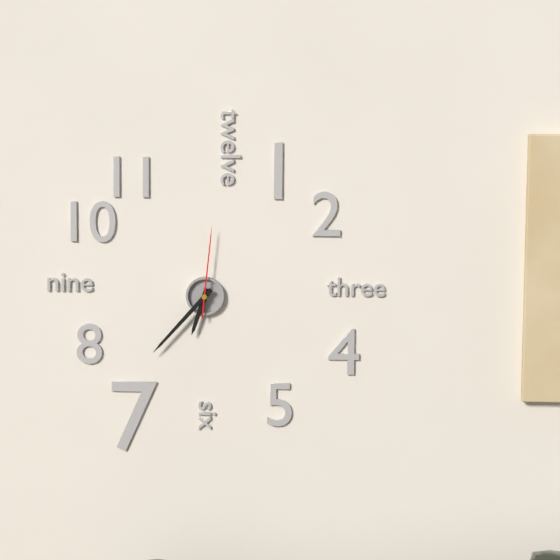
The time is 6,37,01
